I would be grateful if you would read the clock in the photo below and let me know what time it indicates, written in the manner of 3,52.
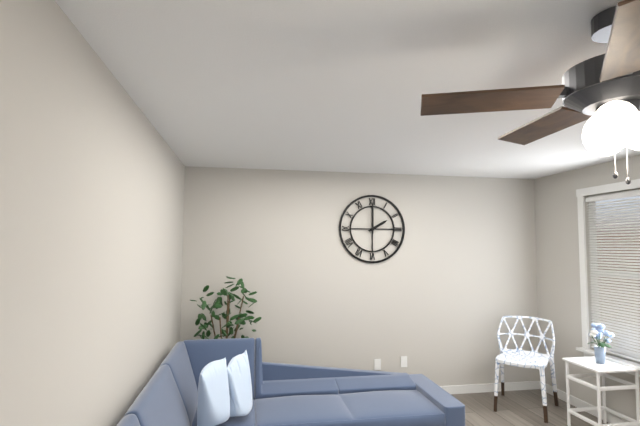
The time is 2,00
